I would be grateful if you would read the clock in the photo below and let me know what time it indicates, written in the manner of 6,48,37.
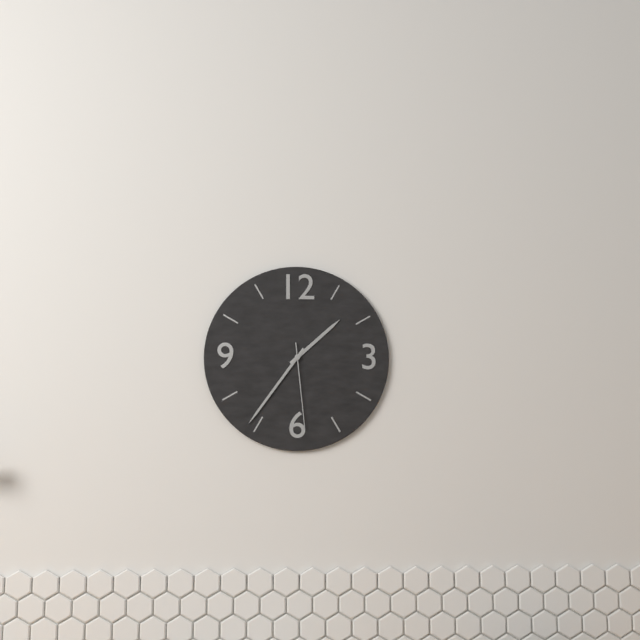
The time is 1,36,29
